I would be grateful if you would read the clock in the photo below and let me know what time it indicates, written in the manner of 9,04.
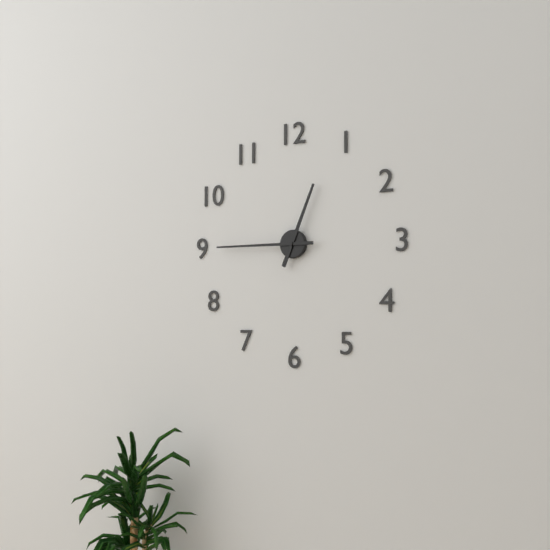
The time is 12,45
